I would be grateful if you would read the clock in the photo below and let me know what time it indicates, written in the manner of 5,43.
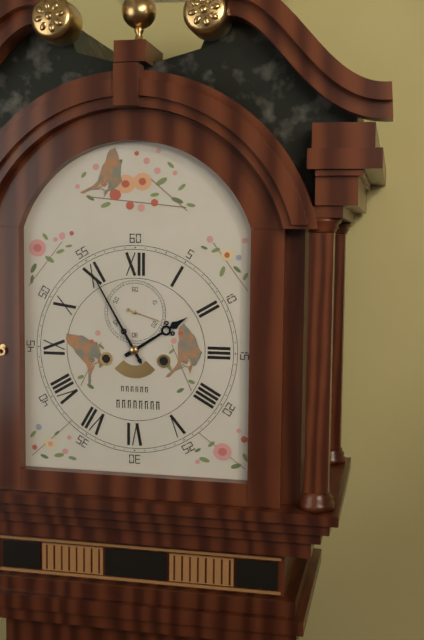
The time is 1,55
